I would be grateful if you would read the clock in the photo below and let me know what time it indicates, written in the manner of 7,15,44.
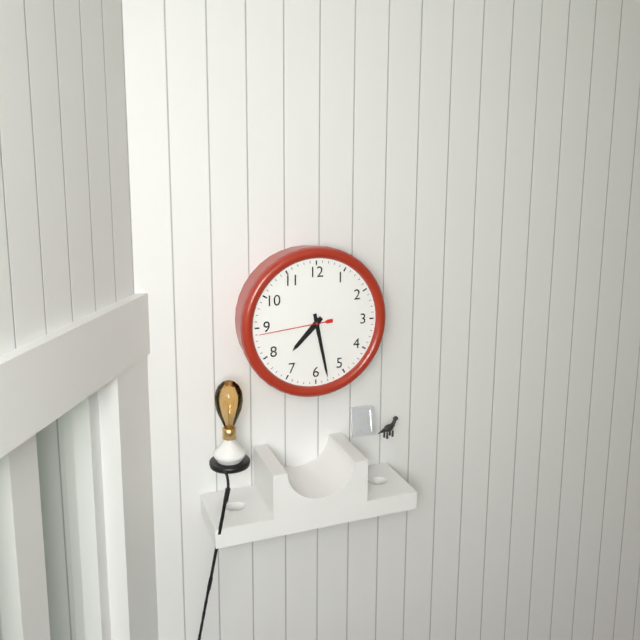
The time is 7,28,44
